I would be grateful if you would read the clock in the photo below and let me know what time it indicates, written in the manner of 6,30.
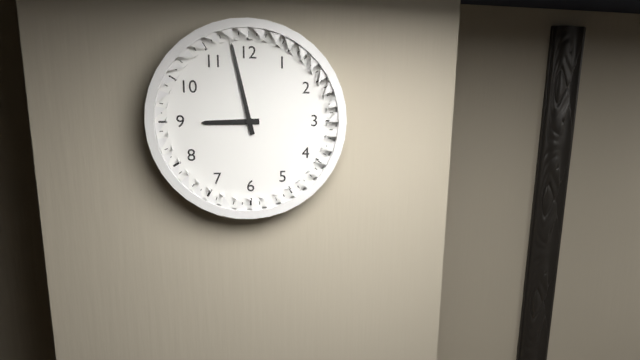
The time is 8,58
